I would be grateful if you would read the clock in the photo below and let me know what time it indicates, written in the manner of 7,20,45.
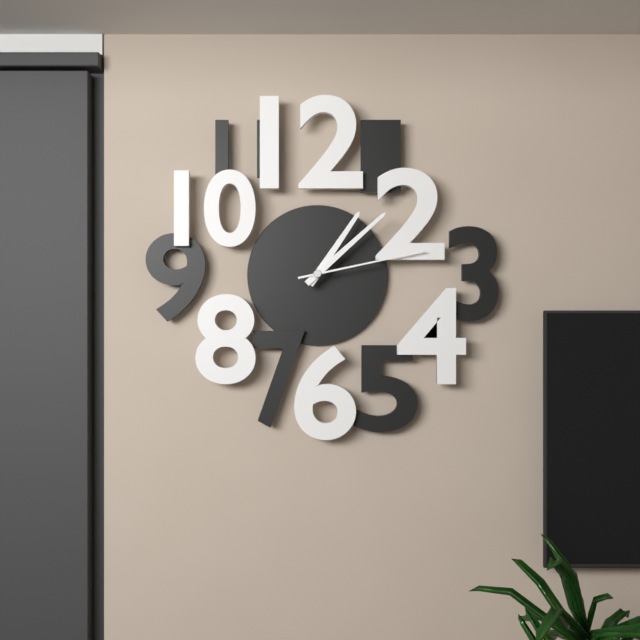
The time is 1,08,13
